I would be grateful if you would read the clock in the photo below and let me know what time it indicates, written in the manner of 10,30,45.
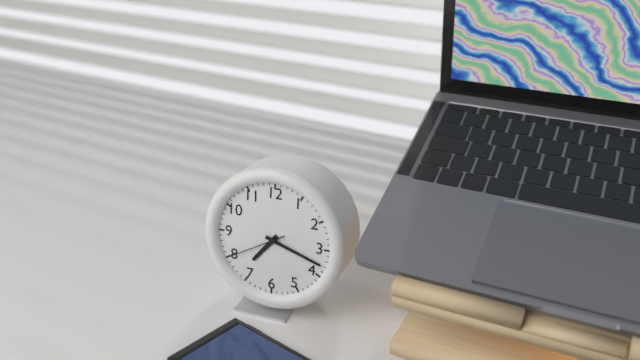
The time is 7,18,40
